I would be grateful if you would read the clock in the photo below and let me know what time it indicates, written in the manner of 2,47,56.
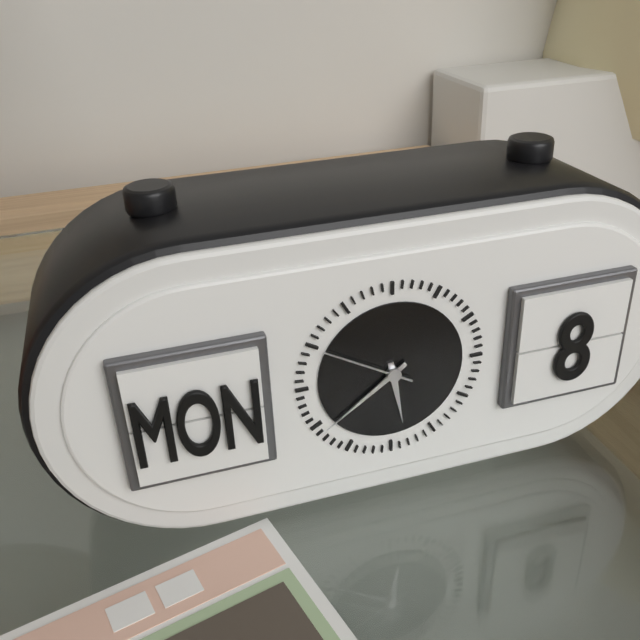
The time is 5,39,50
